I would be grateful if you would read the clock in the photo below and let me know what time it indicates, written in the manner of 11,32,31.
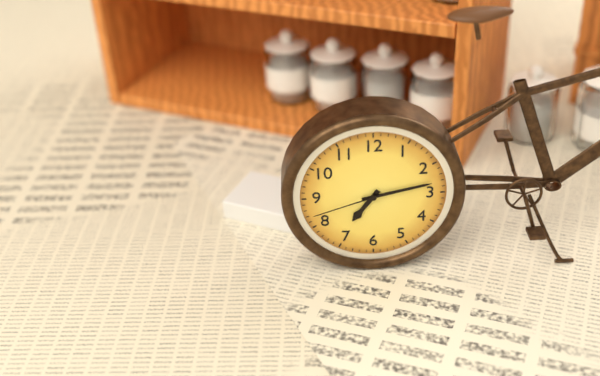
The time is 7,13,42
